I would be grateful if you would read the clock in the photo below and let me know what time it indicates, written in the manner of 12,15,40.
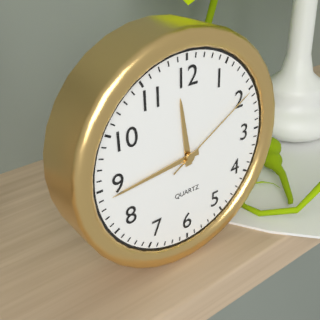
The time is 11,44,10
